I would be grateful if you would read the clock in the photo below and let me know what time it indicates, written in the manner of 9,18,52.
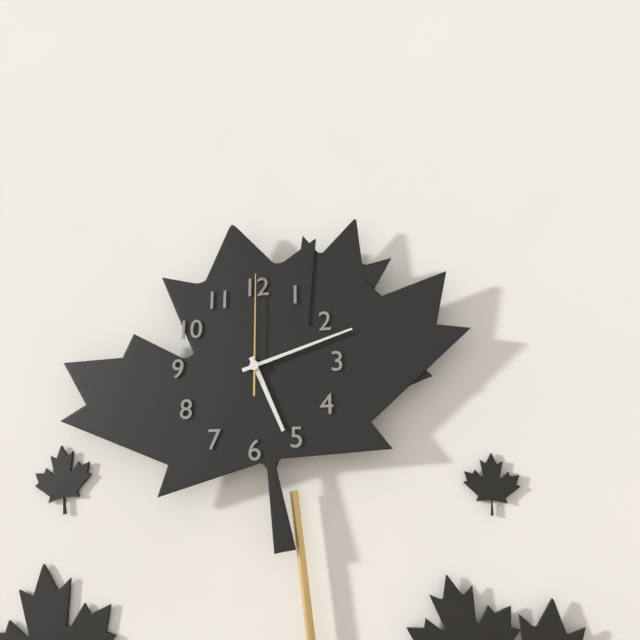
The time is 5,12,00
